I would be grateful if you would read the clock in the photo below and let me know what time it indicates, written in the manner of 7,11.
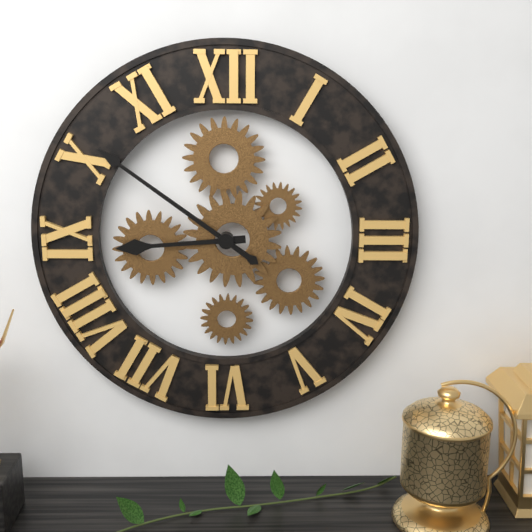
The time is 8,51
